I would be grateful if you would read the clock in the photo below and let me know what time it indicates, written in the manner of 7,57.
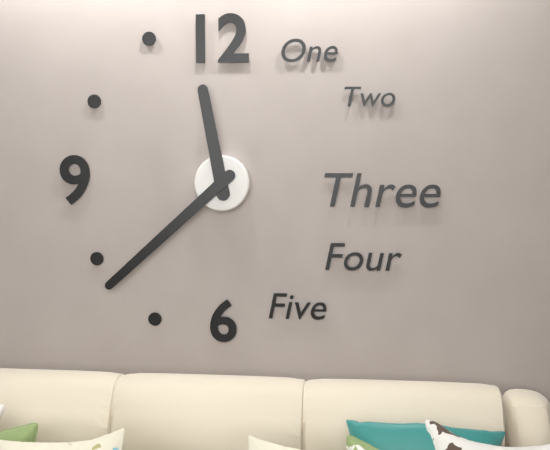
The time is 11,38
